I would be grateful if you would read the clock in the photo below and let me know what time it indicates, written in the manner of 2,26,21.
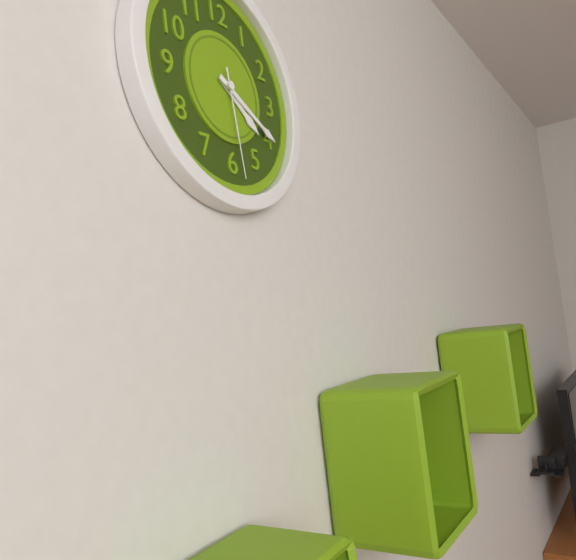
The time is 4,20,29
